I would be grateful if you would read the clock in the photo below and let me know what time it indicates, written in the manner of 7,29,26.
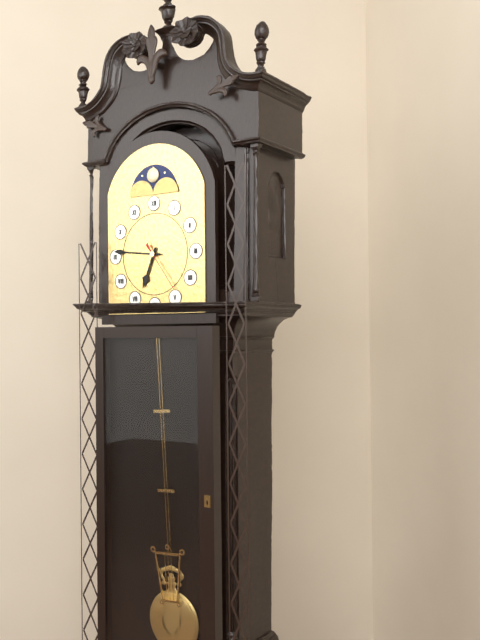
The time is 6,46,24
